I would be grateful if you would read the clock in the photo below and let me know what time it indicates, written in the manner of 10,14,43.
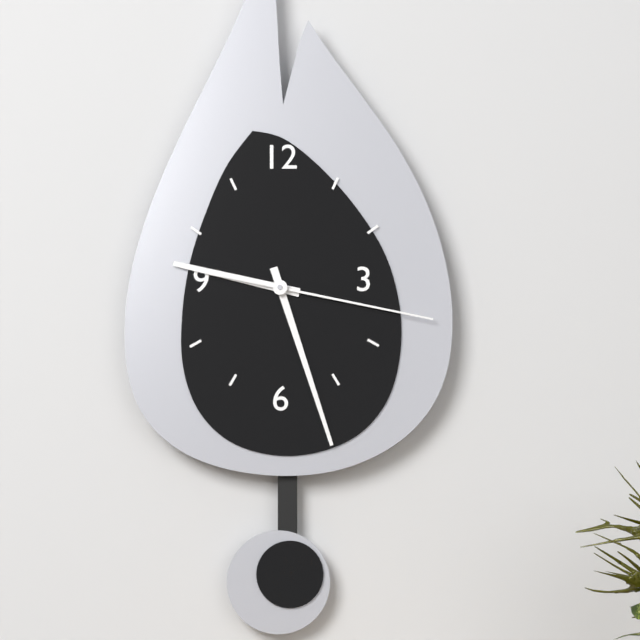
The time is 9,27,17
